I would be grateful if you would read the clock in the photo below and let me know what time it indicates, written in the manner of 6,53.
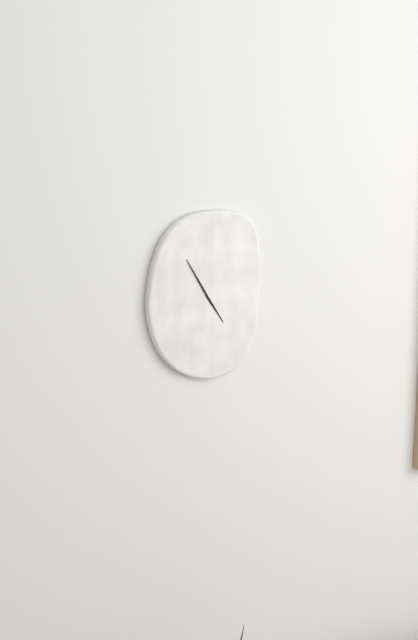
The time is 4,55
